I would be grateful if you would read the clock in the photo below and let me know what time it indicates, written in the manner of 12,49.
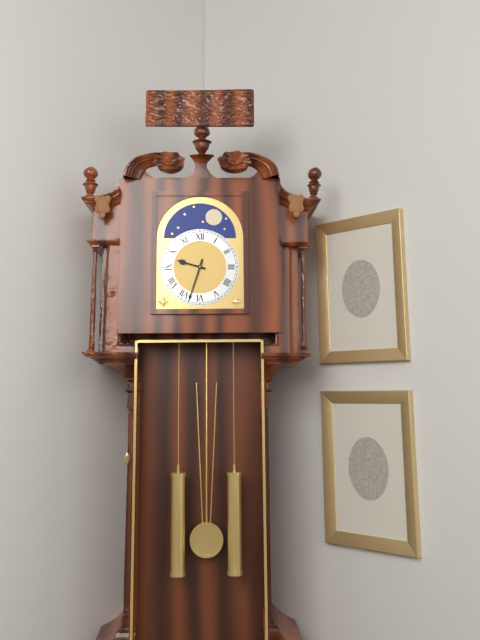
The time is 9,33
